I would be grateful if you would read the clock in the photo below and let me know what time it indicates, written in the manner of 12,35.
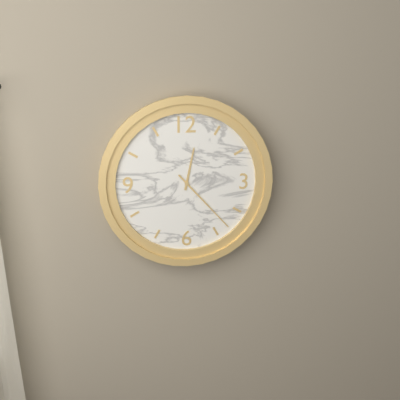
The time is 12,23
